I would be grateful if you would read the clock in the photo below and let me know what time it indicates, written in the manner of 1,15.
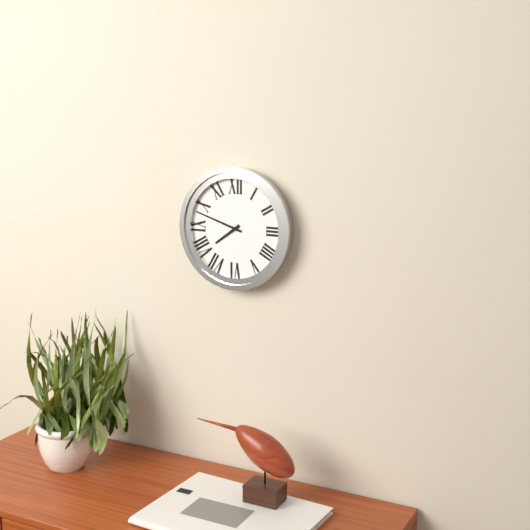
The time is 7,48
